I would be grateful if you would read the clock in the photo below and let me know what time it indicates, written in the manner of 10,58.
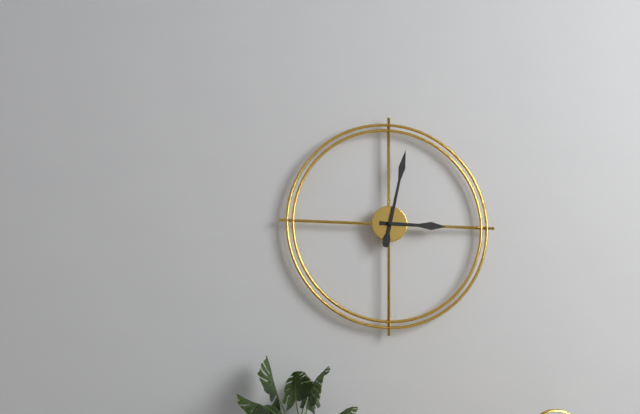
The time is 3,02
